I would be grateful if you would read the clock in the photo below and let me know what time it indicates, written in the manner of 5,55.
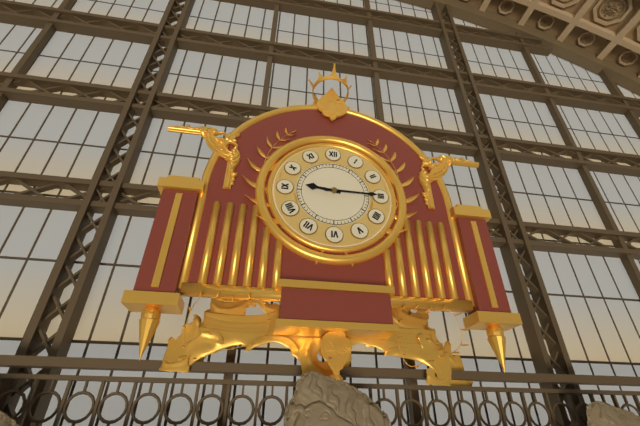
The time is 9,15
